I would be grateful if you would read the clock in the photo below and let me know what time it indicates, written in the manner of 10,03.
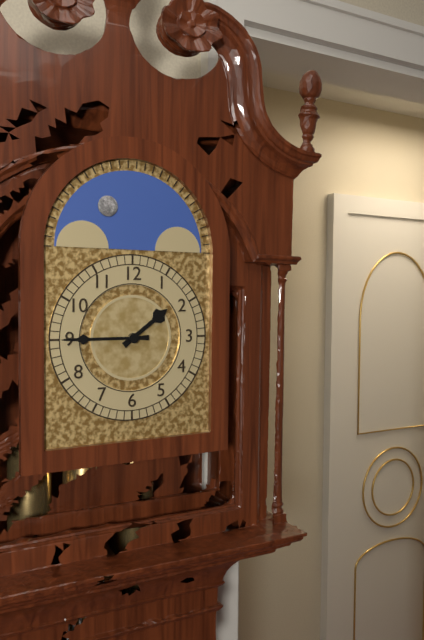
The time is 1,45
